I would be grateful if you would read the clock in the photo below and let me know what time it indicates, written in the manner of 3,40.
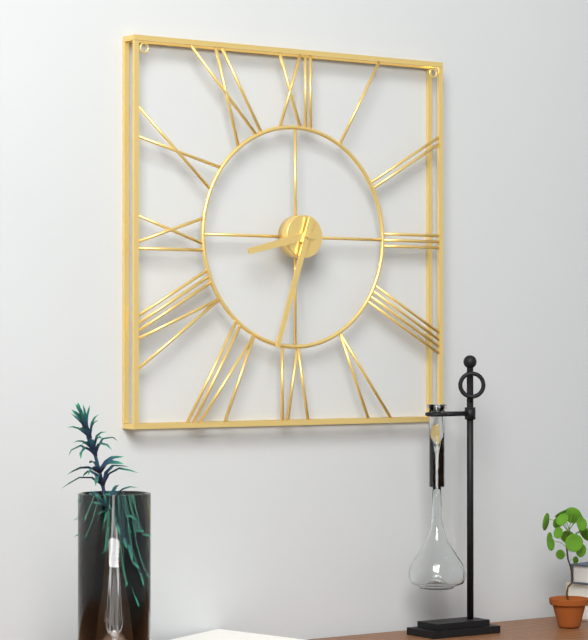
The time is 8,33
